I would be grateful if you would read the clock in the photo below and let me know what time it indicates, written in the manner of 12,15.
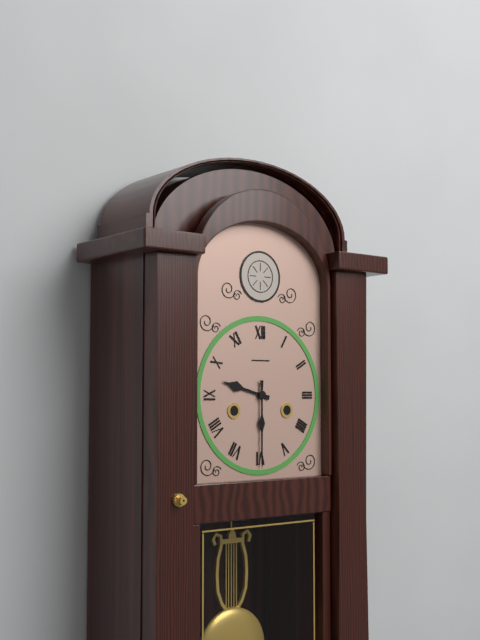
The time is 9,30
